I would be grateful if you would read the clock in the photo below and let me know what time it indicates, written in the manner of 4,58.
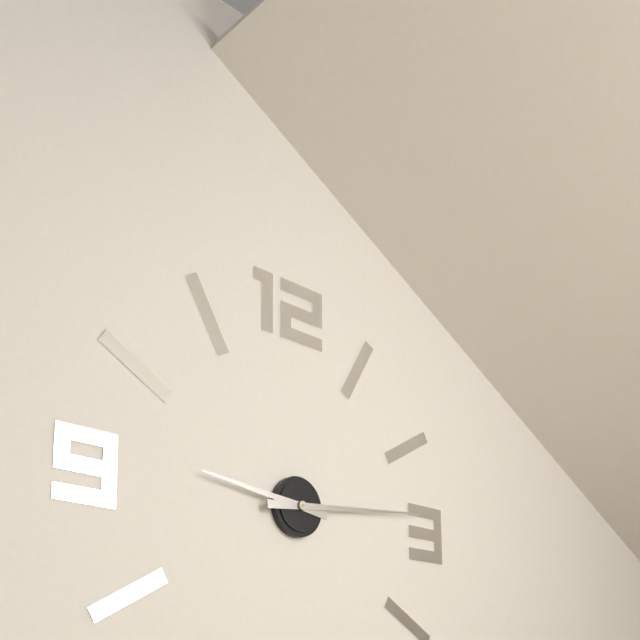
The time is 9,14
